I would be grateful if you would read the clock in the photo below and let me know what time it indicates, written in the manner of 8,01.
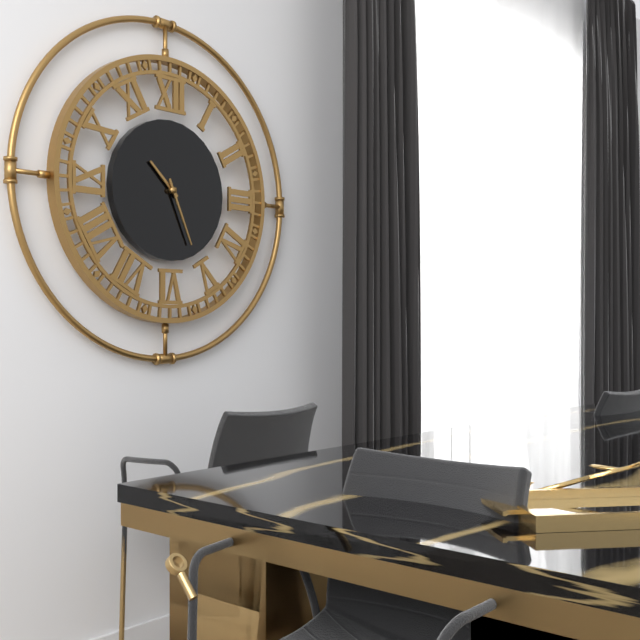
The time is 10,26
